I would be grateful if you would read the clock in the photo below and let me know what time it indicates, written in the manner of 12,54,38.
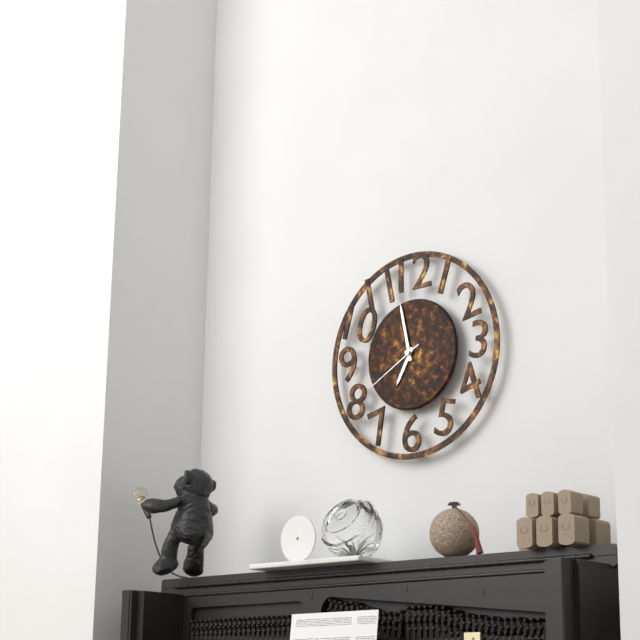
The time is 6,58,40
